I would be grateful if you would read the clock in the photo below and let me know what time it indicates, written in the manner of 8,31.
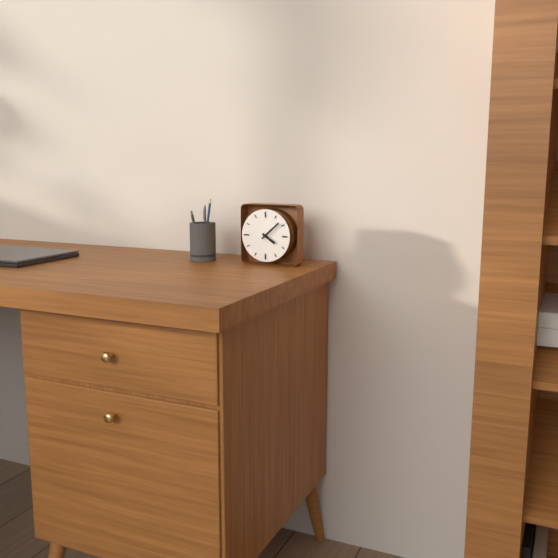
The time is 4,08
